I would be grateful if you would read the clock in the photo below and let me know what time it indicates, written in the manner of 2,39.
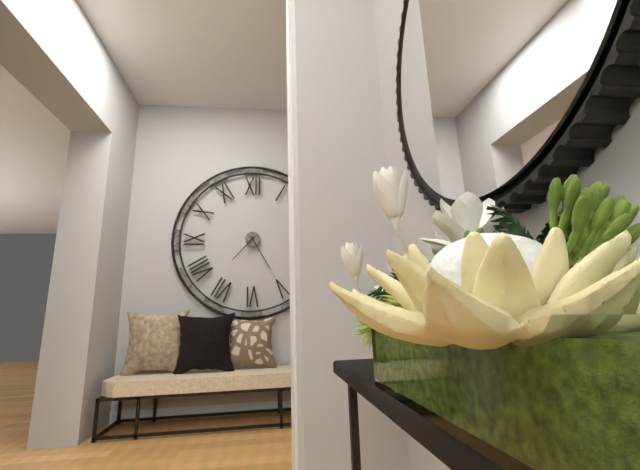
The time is 7,25
